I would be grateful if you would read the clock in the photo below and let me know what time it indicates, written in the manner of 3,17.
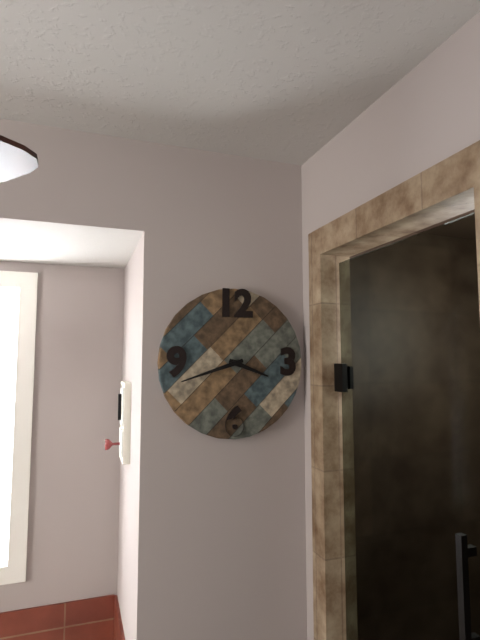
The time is 3,42
